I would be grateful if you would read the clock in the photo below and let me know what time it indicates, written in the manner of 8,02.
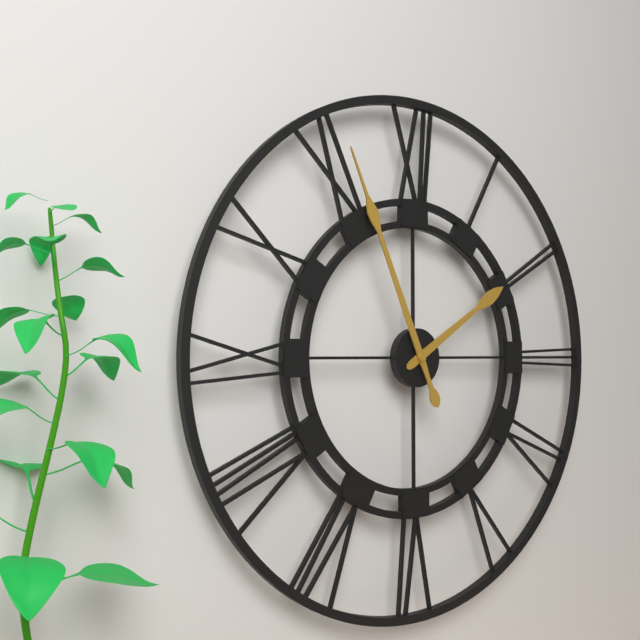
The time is 1,56
